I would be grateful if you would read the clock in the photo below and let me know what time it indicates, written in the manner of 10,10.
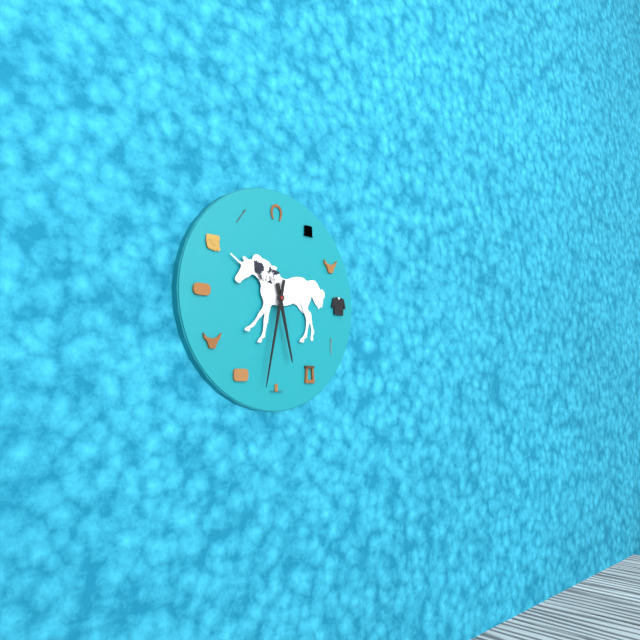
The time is 5,32
